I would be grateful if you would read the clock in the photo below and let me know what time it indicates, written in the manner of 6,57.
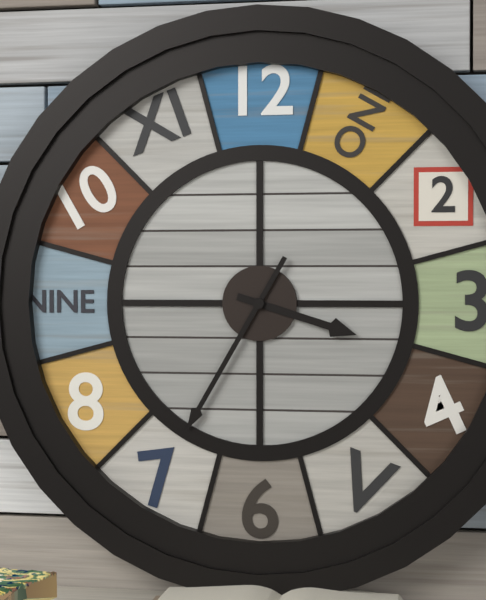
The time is 3,35
